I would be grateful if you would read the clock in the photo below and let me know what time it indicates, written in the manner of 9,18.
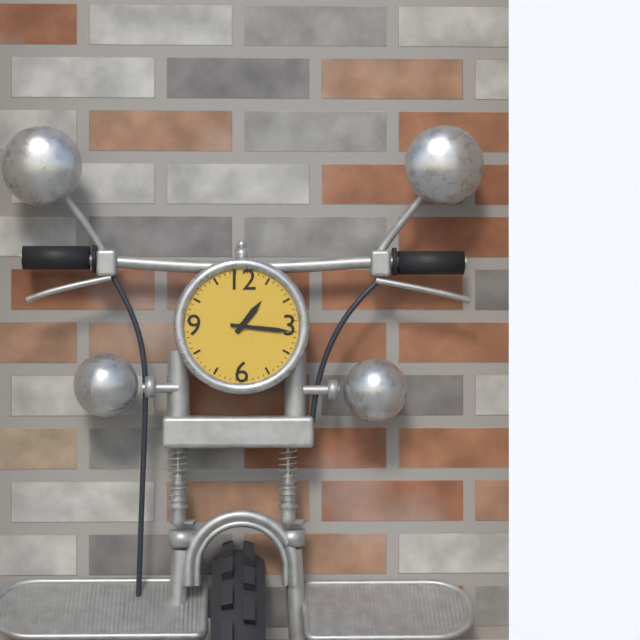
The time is 1,16
